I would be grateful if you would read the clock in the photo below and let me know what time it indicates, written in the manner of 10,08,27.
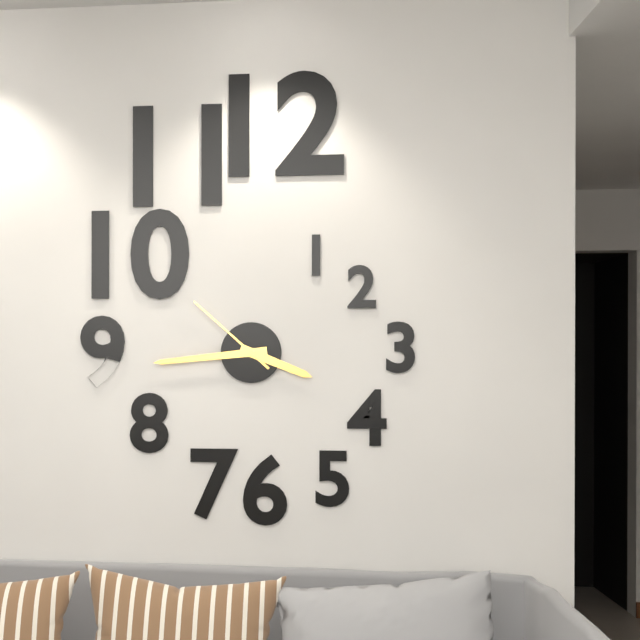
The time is 3,44,52
